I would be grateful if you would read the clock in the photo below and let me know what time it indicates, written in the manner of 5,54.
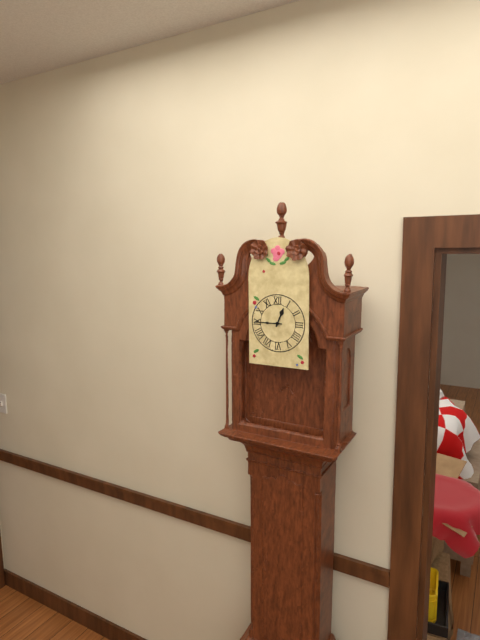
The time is 12,45
